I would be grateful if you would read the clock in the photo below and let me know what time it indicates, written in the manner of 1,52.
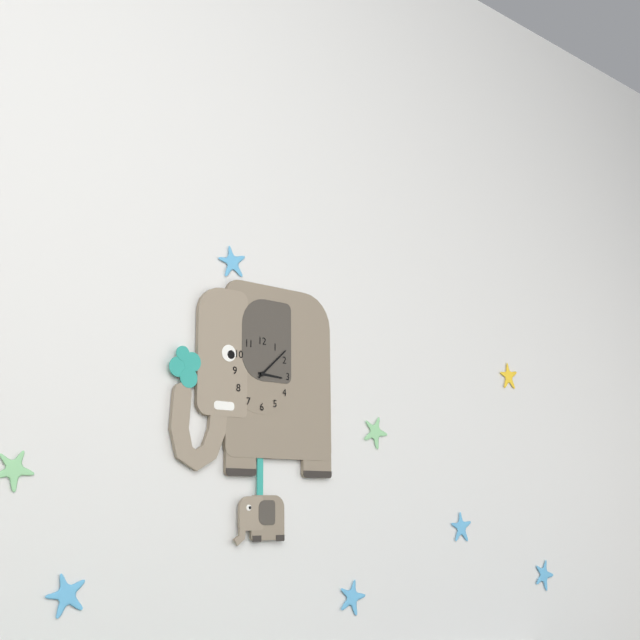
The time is 3,08
